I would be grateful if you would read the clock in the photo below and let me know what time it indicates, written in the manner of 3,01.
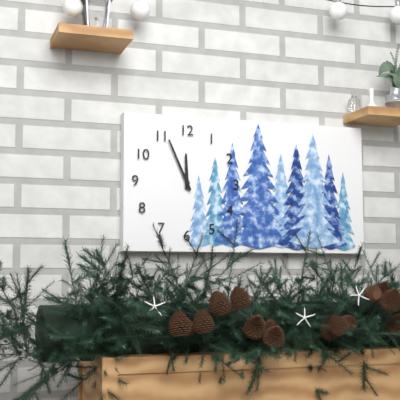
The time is 11,56
